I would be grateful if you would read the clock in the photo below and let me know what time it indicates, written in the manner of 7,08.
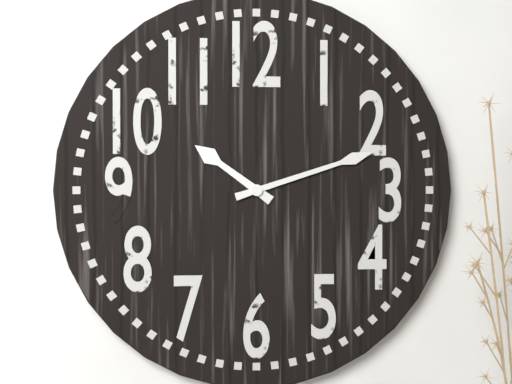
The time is 10,12
